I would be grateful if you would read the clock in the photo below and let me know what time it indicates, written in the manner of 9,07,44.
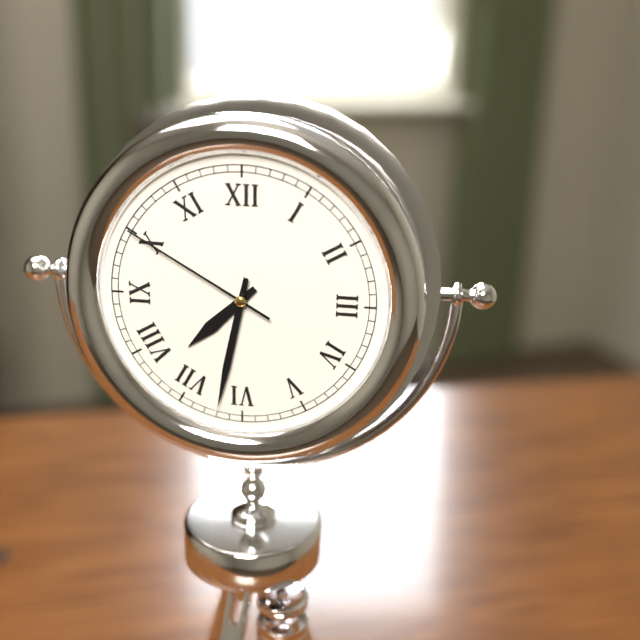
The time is 7,32,50
